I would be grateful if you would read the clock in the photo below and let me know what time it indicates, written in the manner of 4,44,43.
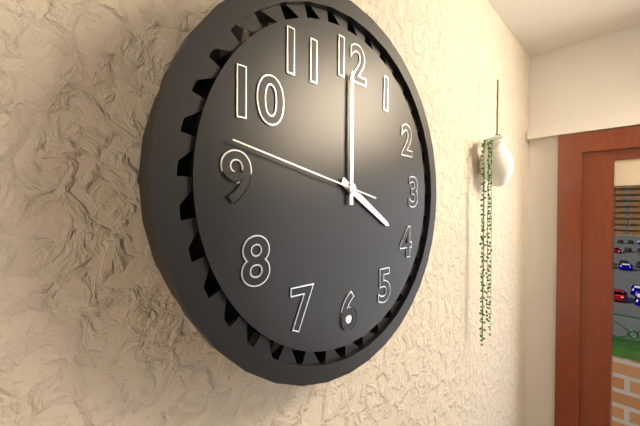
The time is 4,00,47
